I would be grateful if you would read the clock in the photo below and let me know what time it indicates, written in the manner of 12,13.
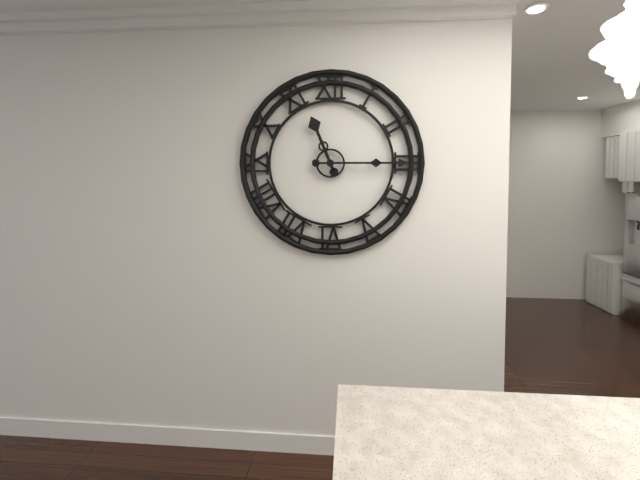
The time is 11,15
